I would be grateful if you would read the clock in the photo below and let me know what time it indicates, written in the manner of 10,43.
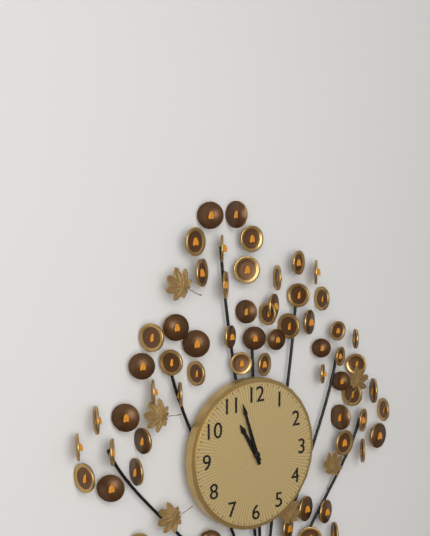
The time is 10,57
